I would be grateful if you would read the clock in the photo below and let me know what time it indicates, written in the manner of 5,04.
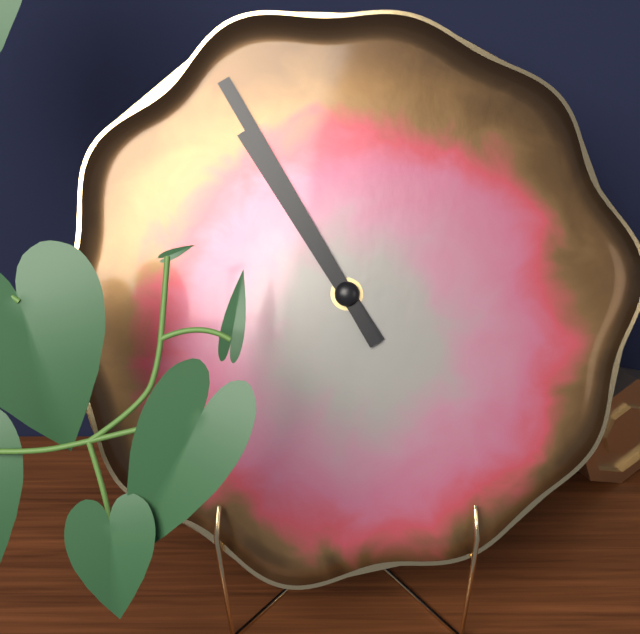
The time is 10,55
